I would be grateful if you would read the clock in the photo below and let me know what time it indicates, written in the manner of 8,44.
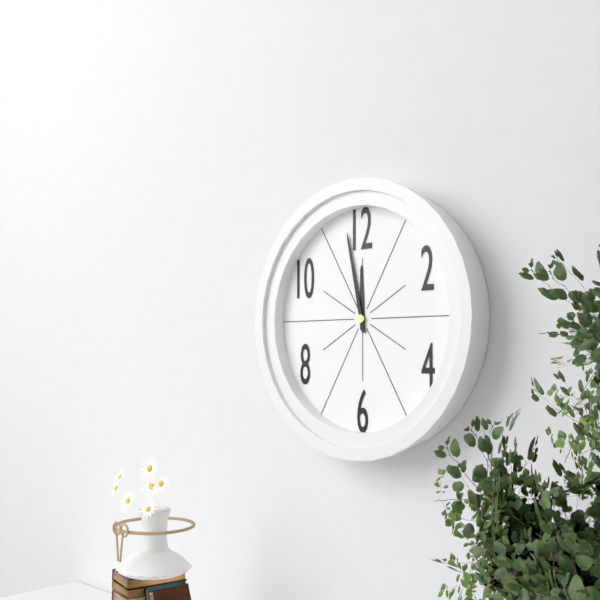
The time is 11,58
